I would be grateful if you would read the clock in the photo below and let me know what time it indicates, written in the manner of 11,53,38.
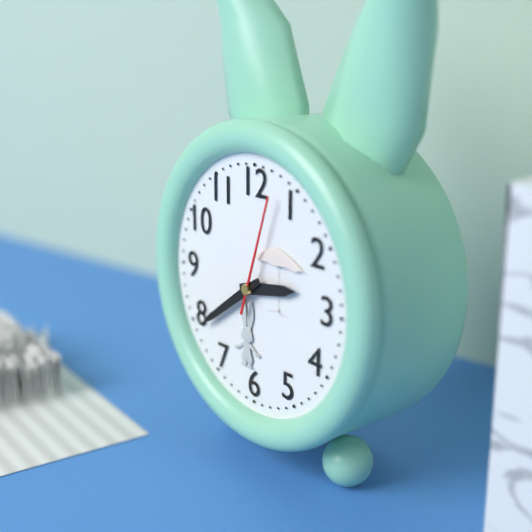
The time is 2,39,03
